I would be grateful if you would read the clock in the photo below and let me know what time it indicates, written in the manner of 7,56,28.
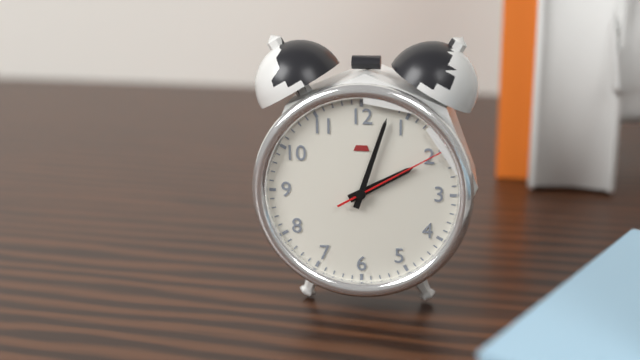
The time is 2,03,10
